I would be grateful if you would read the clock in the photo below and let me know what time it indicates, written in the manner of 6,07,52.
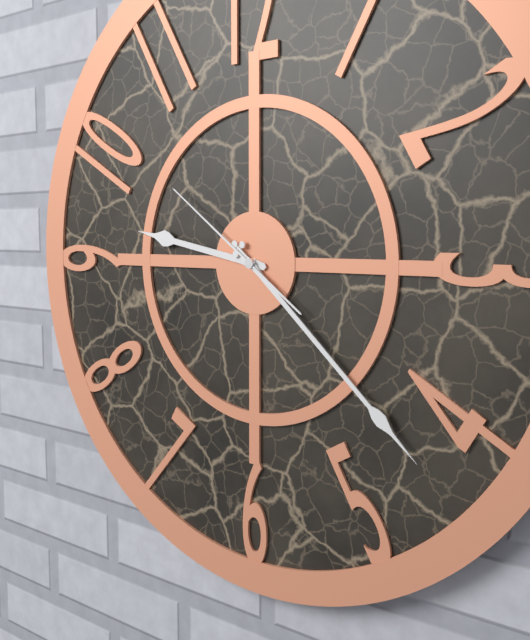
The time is 9,22,51
